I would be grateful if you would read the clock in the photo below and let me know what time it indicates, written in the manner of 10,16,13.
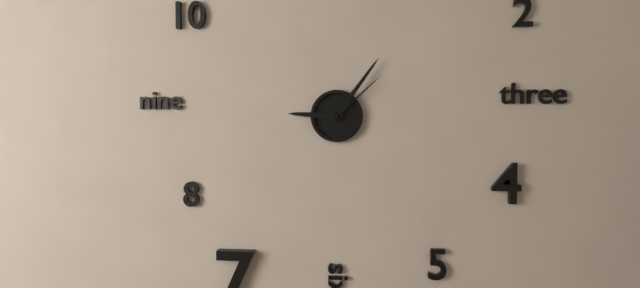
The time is 9,06,08
